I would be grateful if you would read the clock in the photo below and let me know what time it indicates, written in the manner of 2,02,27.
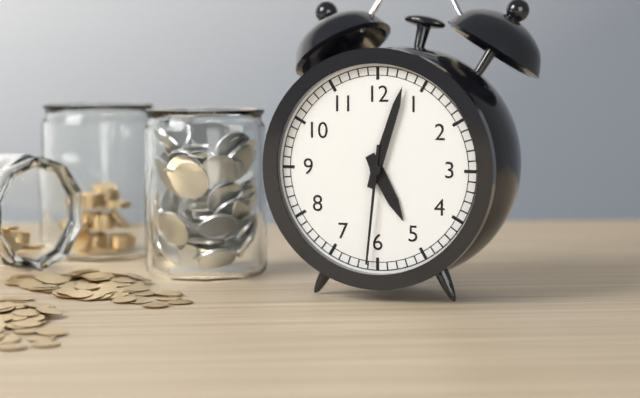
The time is 5,03,31
